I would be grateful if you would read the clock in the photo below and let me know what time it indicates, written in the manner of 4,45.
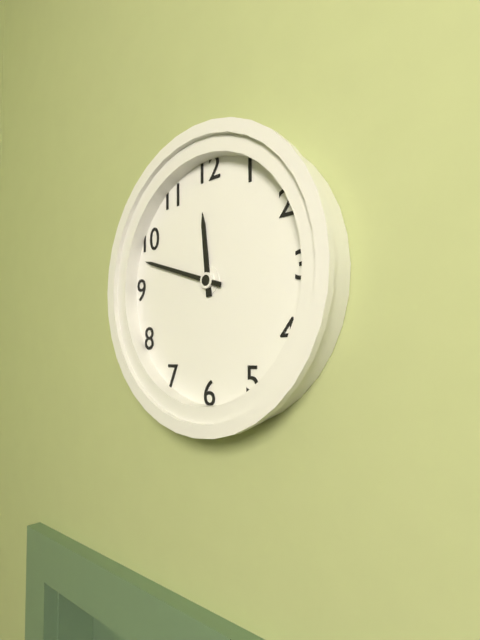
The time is 11,48
